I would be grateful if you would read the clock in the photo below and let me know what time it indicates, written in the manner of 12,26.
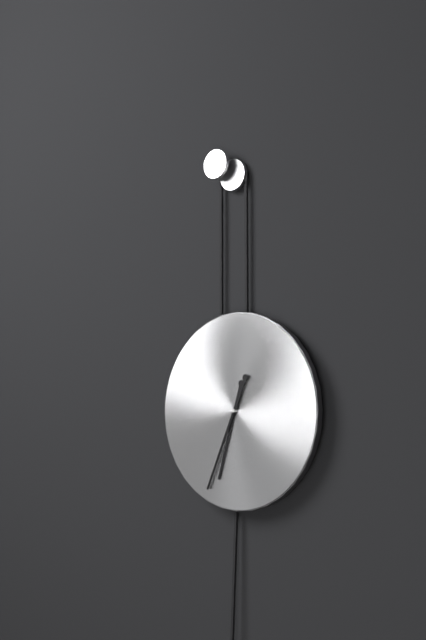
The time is 6,34
